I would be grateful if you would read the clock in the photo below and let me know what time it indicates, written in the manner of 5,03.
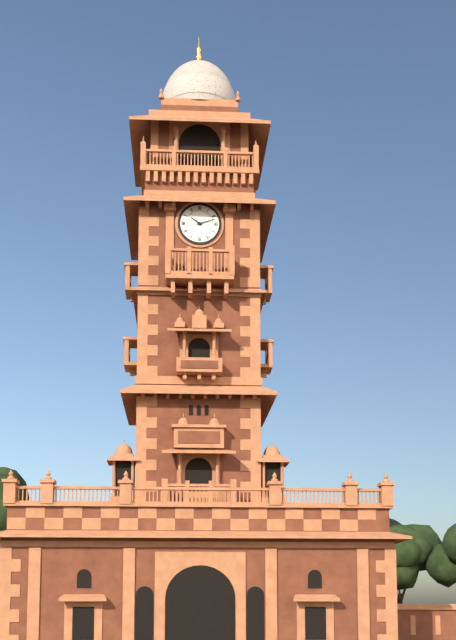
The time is 10,12
